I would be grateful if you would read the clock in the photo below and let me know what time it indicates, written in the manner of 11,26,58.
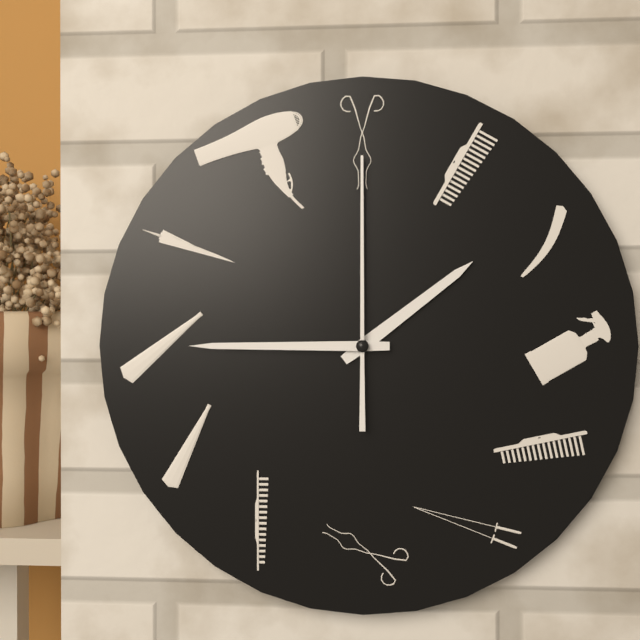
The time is 1,45,00
